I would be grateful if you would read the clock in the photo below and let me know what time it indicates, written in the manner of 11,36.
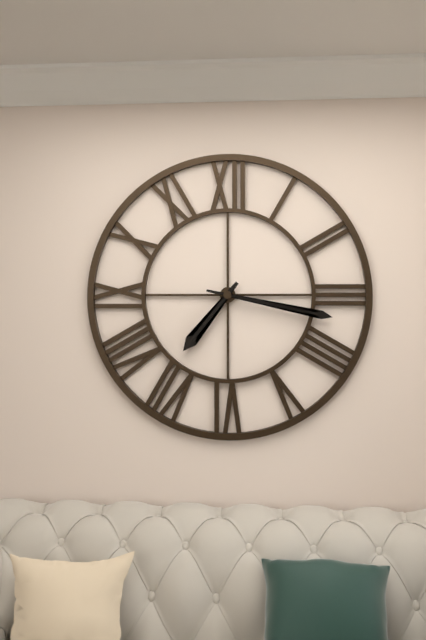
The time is 7,17
